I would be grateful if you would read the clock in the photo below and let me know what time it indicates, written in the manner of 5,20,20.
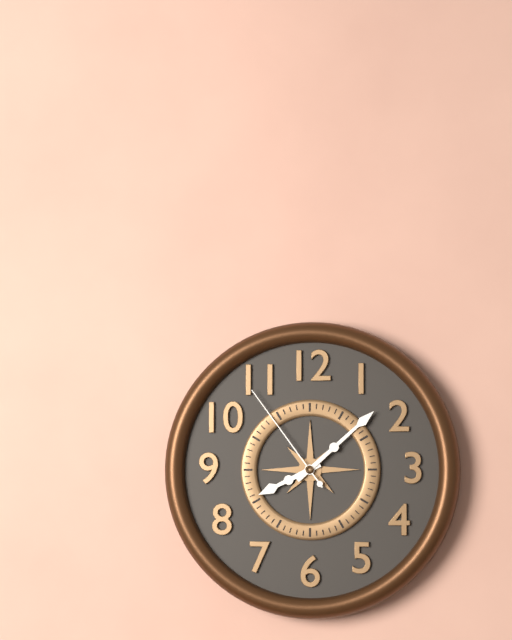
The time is 8,08,54
